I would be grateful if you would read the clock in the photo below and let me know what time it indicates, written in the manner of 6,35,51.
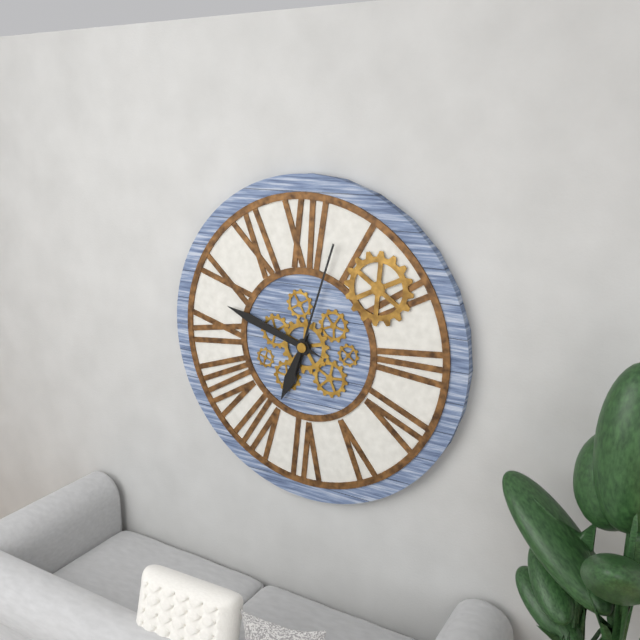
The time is 6,48,03
